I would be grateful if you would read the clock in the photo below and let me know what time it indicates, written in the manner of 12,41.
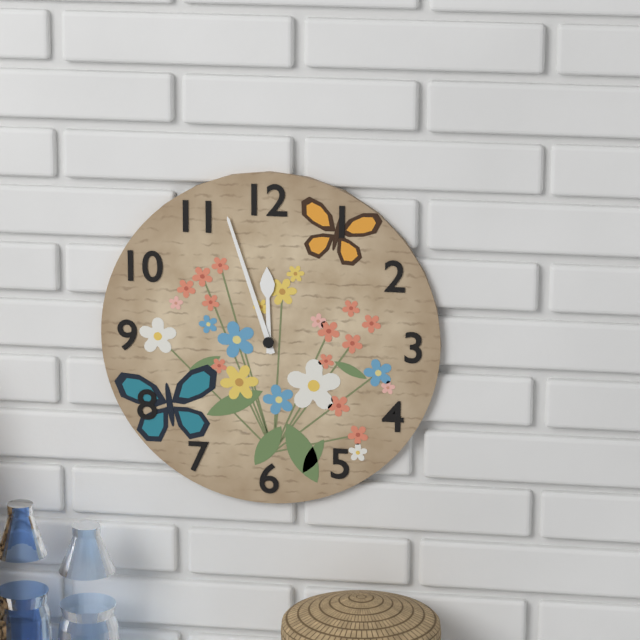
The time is 11,57
